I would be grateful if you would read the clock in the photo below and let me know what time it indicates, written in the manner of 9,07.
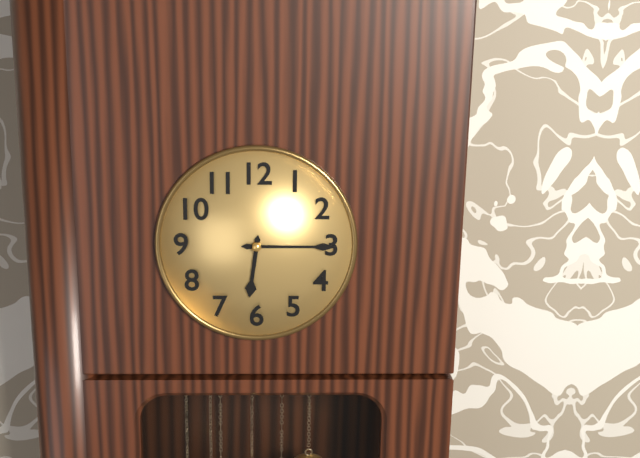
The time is 6,15
